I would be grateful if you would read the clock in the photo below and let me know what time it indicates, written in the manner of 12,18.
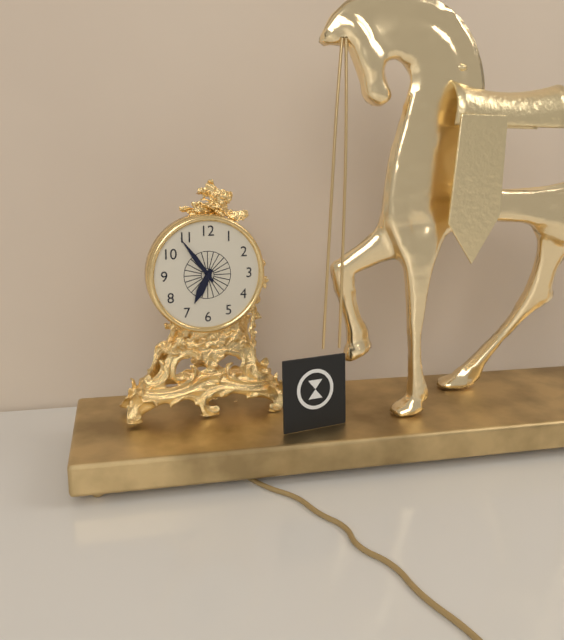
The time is 6,54
